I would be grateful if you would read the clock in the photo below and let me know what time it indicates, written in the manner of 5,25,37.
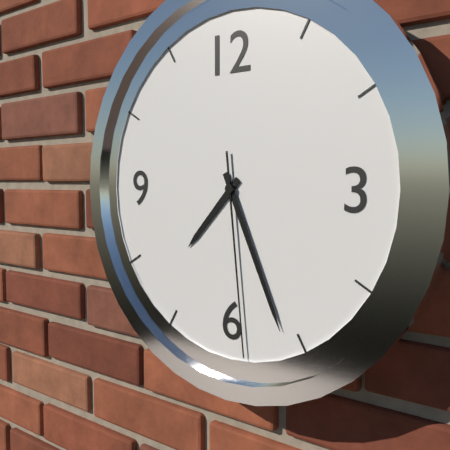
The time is 7,26,29
